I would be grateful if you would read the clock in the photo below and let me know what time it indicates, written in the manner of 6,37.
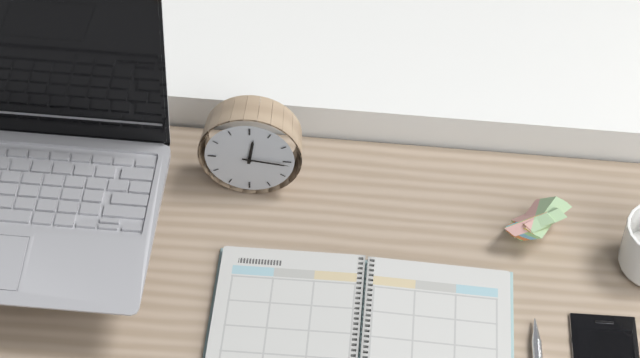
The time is 12,16
